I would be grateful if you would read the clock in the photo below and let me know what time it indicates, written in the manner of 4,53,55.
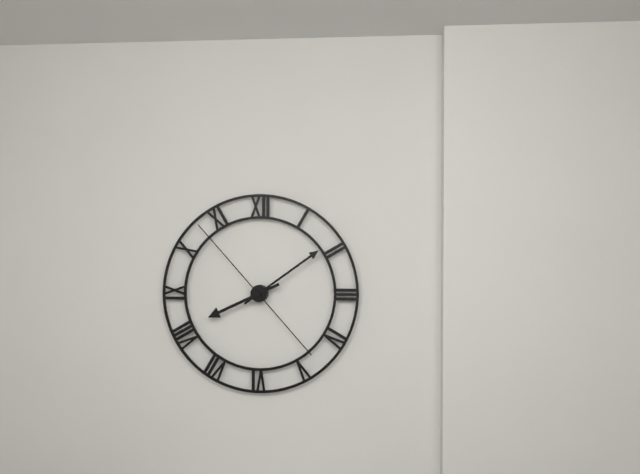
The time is 8,09,53
